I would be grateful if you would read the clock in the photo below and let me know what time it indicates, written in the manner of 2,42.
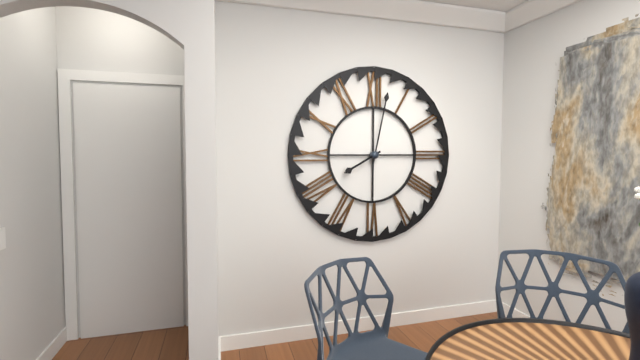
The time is 8,02
